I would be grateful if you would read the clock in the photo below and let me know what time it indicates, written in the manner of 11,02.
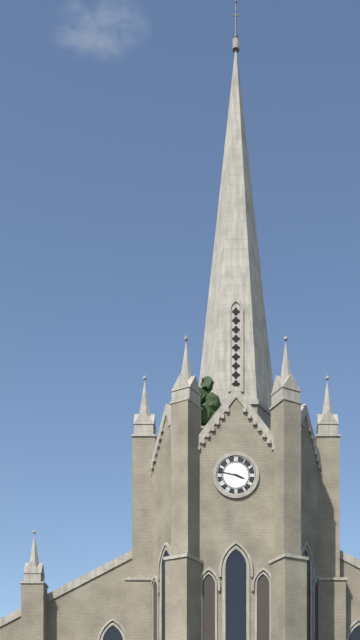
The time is 3,47
